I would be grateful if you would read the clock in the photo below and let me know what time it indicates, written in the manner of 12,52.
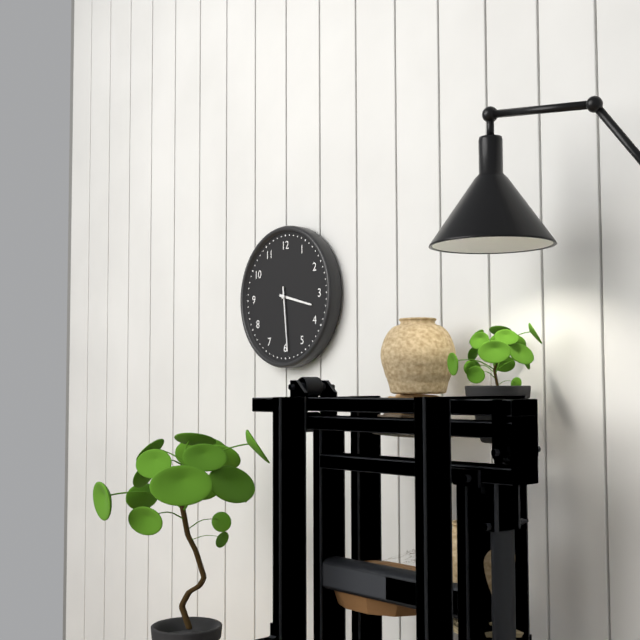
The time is 3,29
